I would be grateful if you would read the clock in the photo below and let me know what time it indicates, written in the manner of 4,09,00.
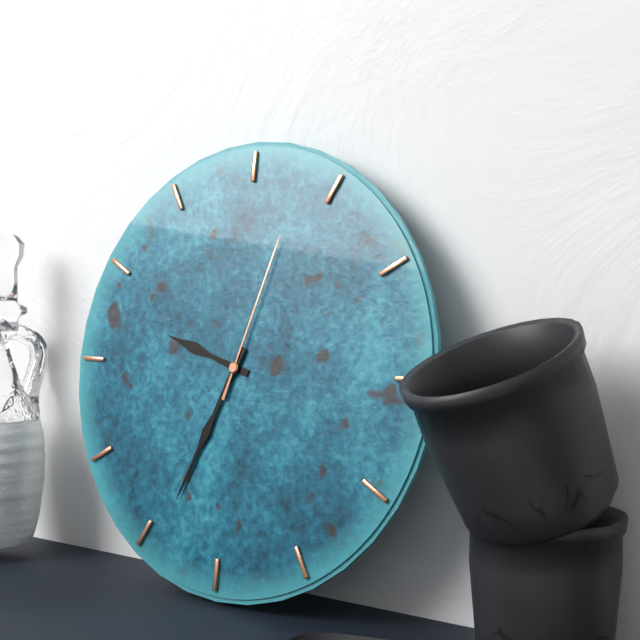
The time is 9,34,03
